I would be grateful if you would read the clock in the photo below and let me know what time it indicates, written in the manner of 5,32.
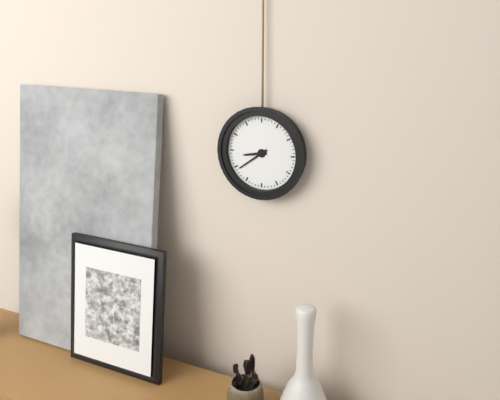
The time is 8,39
